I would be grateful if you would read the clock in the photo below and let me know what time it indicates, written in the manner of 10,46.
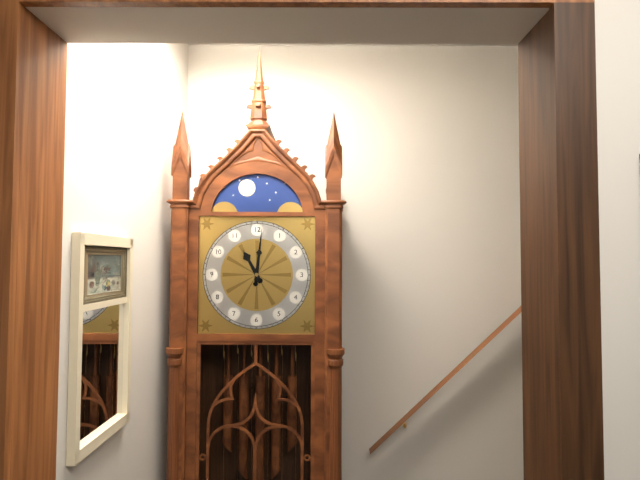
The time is 11,01
